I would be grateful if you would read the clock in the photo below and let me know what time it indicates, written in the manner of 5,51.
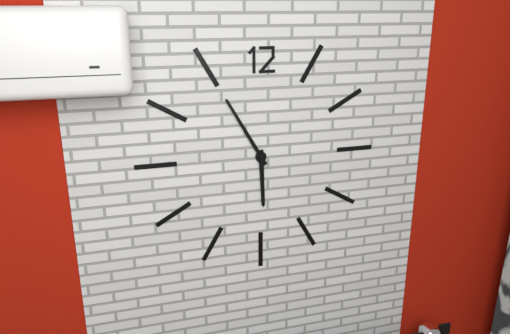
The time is 5,55
